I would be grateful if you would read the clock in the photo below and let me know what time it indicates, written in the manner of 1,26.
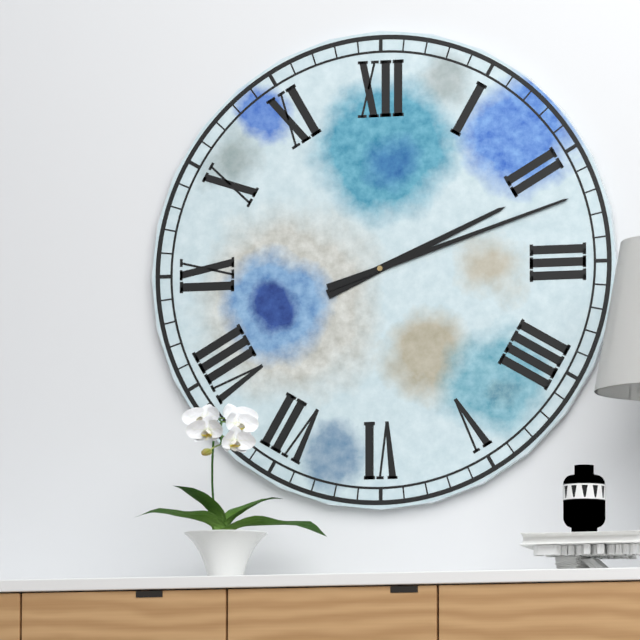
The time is 2,12
